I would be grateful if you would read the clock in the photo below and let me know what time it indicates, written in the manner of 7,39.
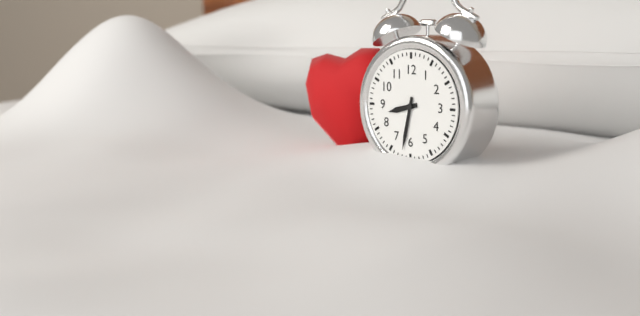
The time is 8,32
